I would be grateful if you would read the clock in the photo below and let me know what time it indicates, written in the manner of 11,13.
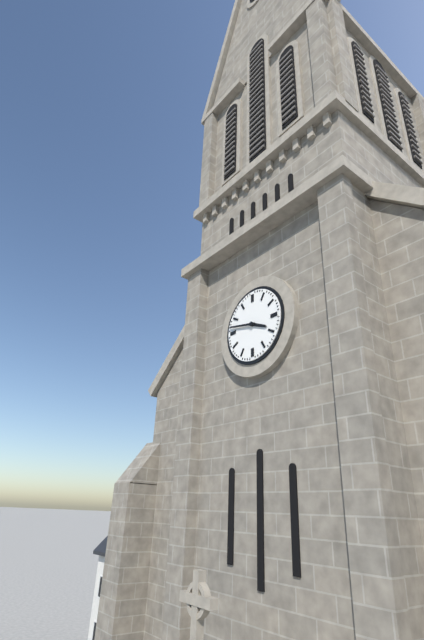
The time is 3,47
